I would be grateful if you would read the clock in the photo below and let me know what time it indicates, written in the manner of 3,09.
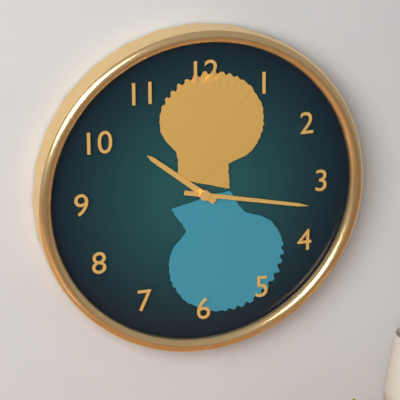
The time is 10,17
